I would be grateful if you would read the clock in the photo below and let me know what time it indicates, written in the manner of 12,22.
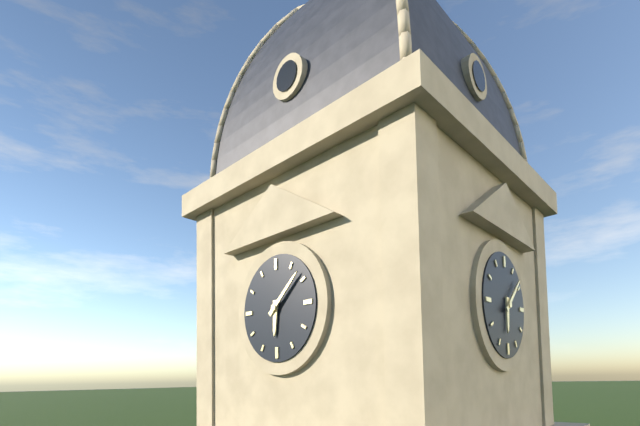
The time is 6,08
